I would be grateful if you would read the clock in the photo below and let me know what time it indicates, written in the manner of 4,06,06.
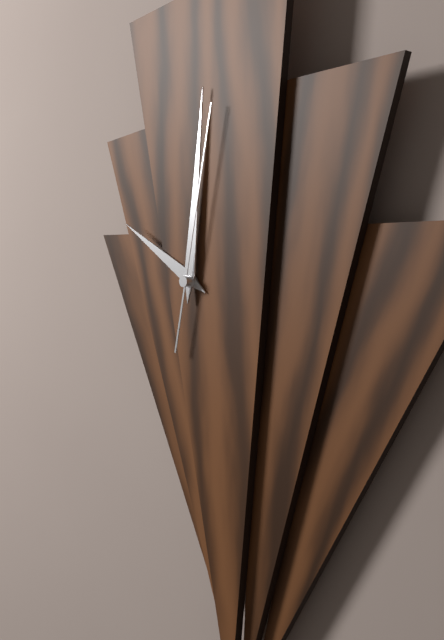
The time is 10,01,02
